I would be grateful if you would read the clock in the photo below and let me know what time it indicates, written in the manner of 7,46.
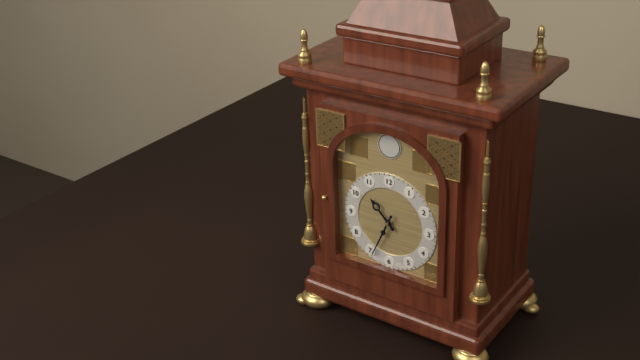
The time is 10,34
